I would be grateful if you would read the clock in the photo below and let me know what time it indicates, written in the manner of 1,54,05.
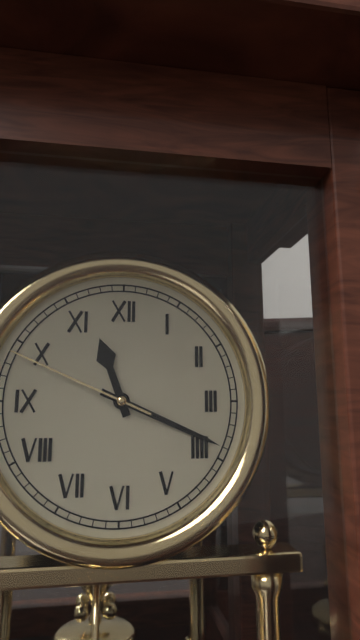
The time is 11,19,49
